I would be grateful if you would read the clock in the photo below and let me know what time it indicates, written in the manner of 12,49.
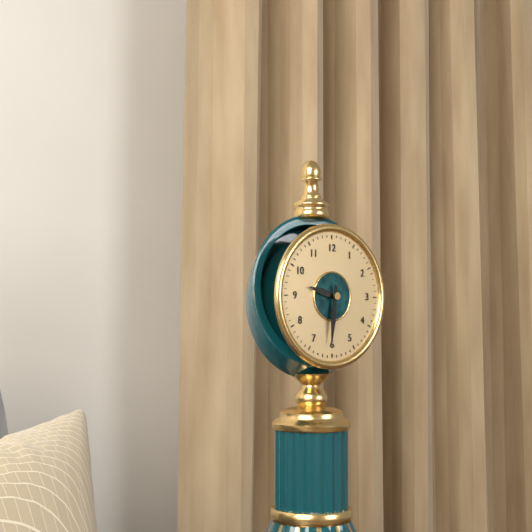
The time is 9,31
